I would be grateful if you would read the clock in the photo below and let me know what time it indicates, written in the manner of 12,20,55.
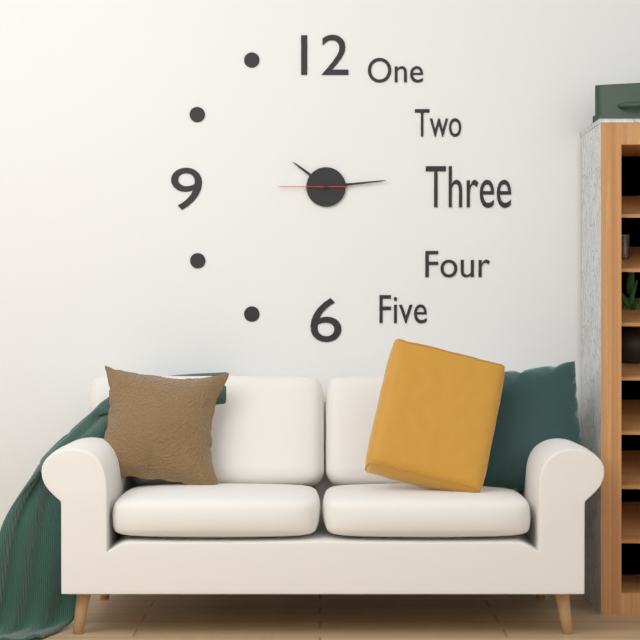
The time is 10,14,45
